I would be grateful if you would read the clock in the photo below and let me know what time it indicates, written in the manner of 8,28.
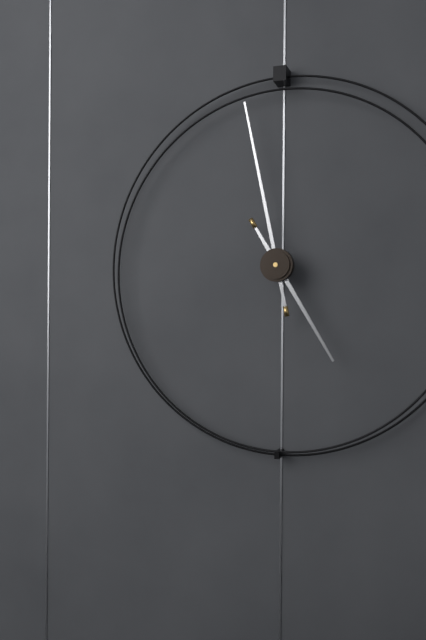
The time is 4,58
